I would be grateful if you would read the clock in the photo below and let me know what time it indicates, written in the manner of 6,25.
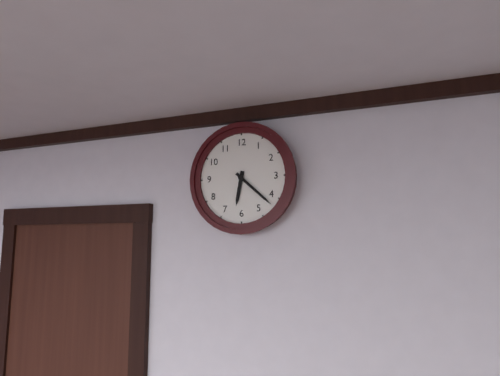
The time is 6,22
